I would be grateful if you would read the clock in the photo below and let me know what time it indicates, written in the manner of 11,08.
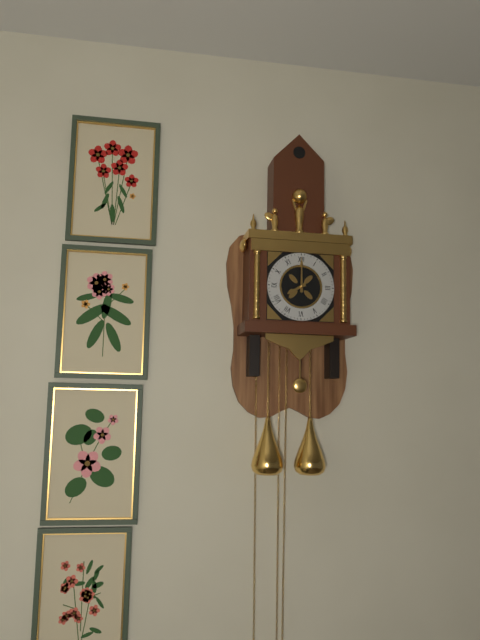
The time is 8,00
